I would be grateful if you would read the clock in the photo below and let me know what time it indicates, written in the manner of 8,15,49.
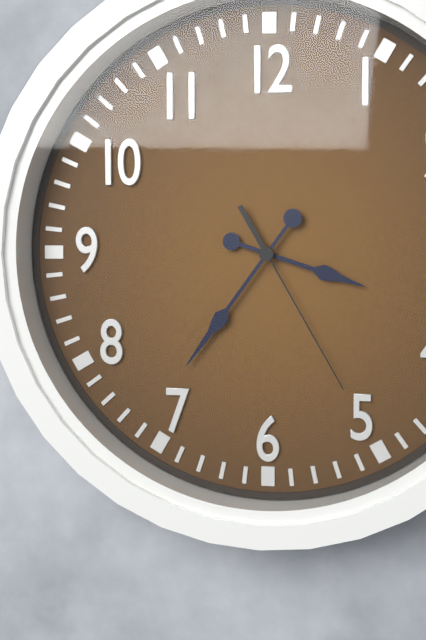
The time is 3,36,25
